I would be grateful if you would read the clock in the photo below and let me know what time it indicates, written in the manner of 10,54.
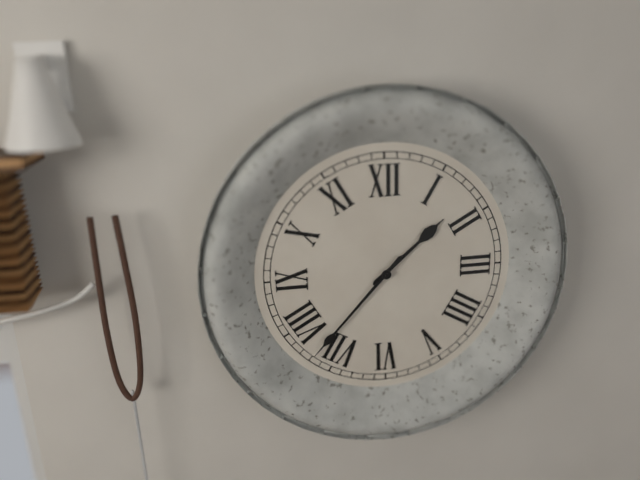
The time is 1,37
